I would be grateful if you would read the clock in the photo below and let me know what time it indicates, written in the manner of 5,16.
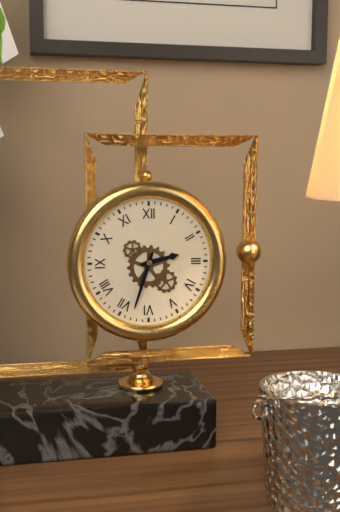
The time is 2,33
